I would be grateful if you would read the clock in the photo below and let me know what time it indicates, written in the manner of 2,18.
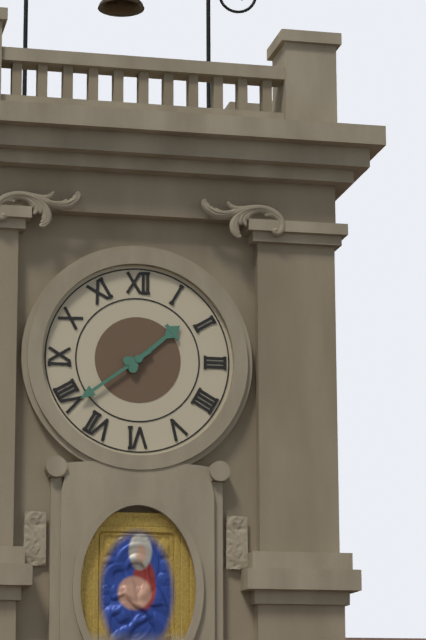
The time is 1,39
